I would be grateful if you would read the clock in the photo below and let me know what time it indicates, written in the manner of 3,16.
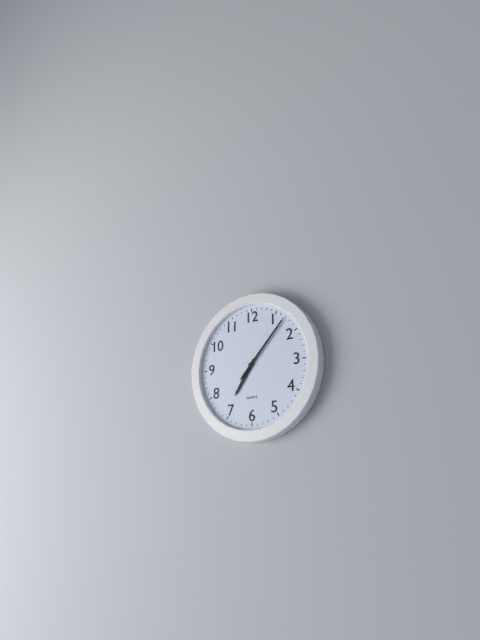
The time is 7,07
